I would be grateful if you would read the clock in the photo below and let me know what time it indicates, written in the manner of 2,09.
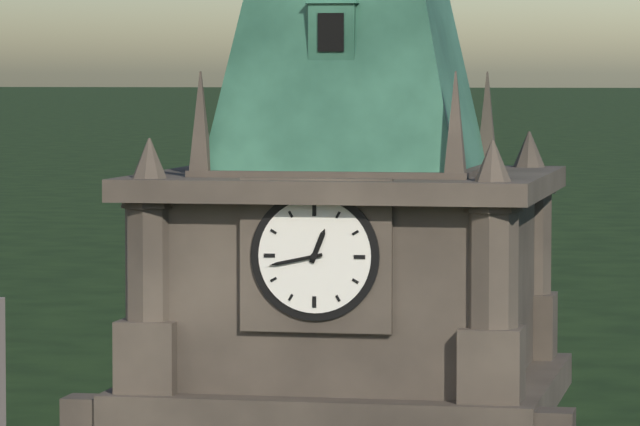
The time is 12,43
